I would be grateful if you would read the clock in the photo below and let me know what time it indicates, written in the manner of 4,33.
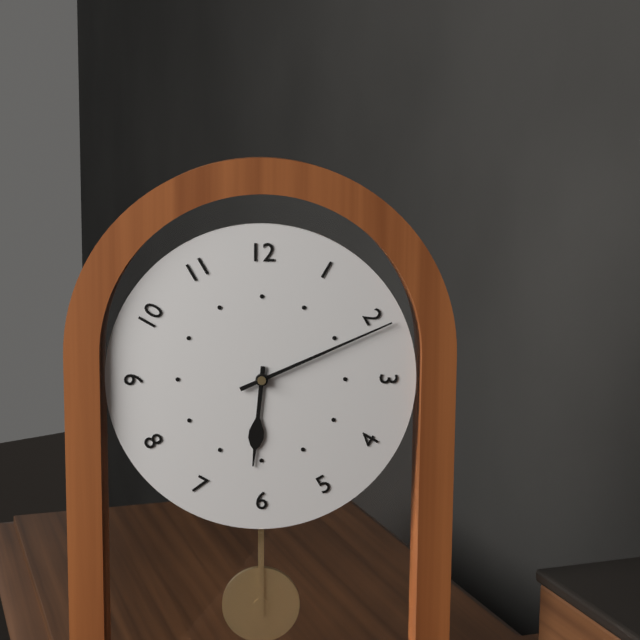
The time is 6,11
